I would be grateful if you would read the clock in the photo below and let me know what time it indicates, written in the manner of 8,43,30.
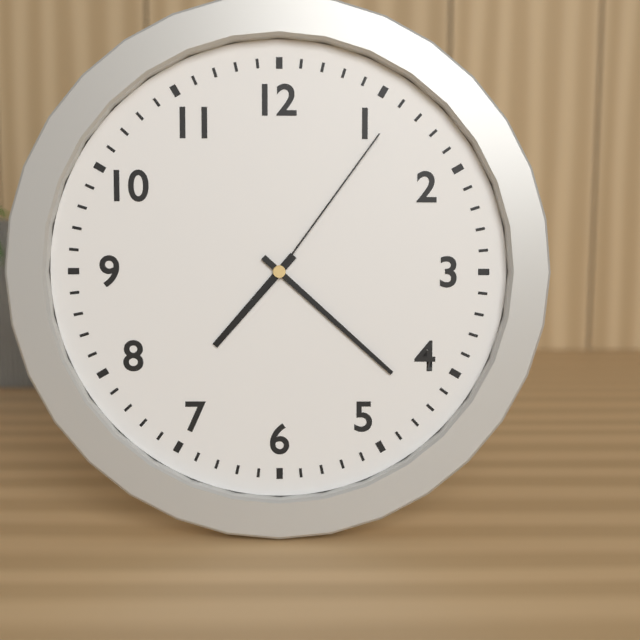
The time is 7,22,06
